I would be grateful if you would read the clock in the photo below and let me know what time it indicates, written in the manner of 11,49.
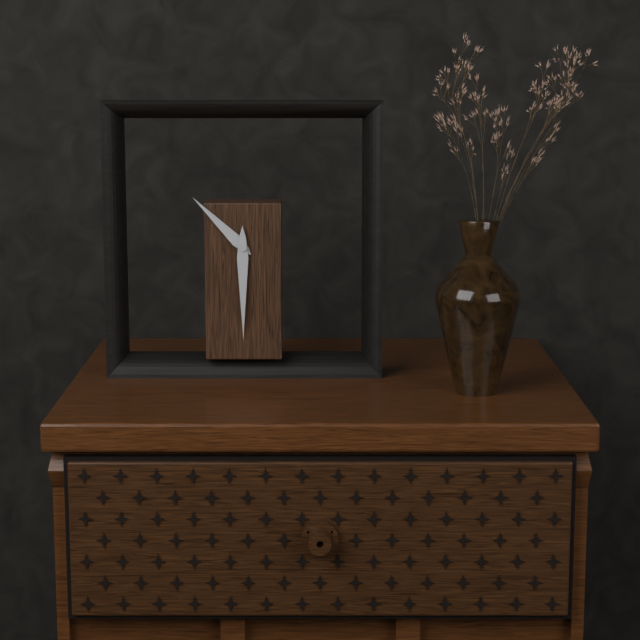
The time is 10,30
